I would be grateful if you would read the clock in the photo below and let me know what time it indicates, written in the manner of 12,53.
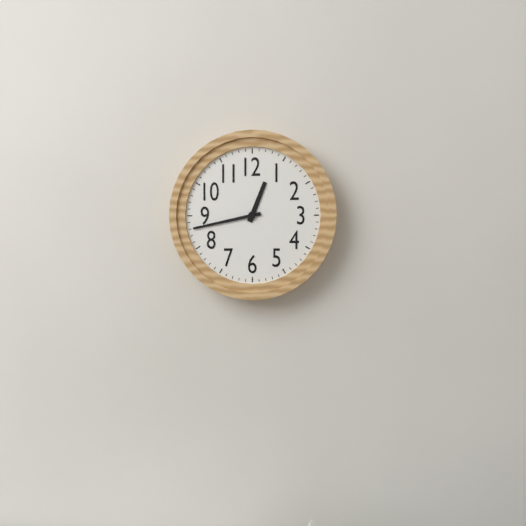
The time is 12,43
